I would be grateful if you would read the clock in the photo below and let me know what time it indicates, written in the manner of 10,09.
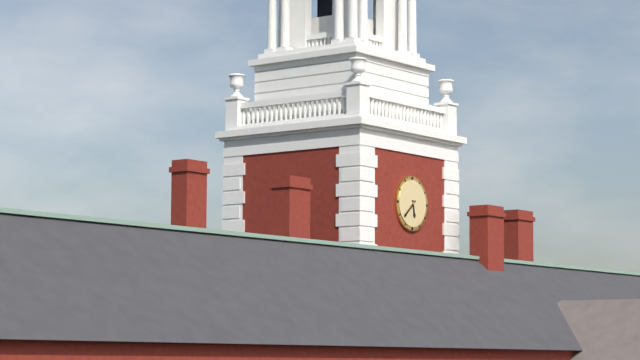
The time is 5,38
